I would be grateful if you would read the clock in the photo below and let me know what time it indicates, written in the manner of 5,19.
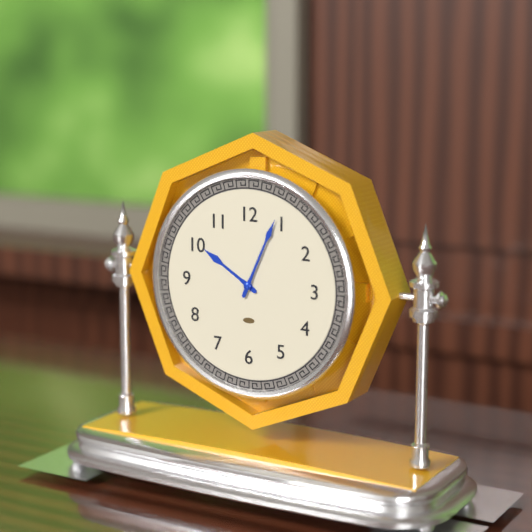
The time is 10,04
